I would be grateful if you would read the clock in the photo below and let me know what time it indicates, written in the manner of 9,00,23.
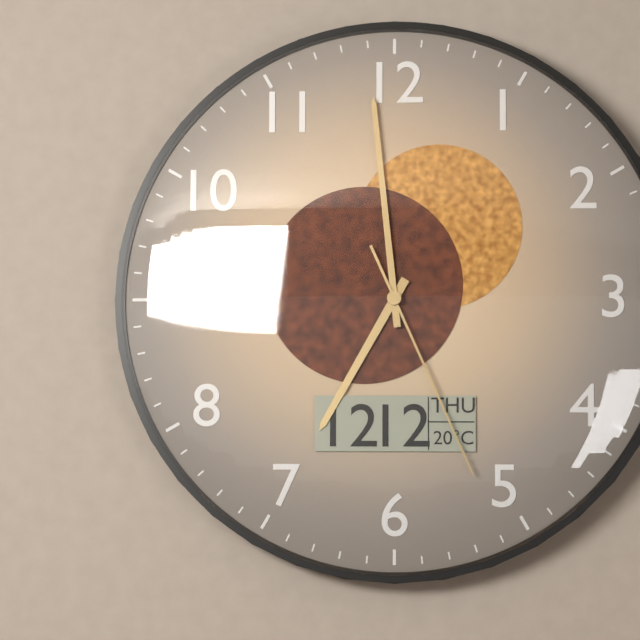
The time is 6,59,26
